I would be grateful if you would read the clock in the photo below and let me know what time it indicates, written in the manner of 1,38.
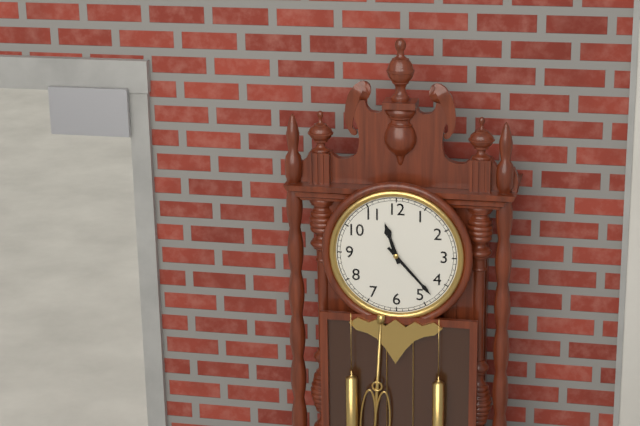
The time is 11,23
